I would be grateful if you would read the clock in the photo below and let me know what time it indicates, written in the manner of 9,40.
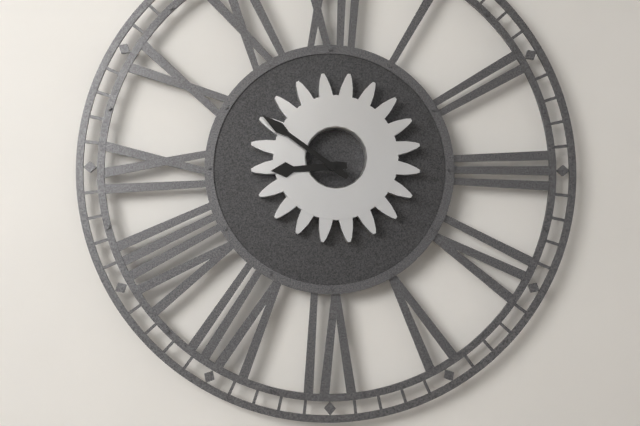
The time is 8,51
